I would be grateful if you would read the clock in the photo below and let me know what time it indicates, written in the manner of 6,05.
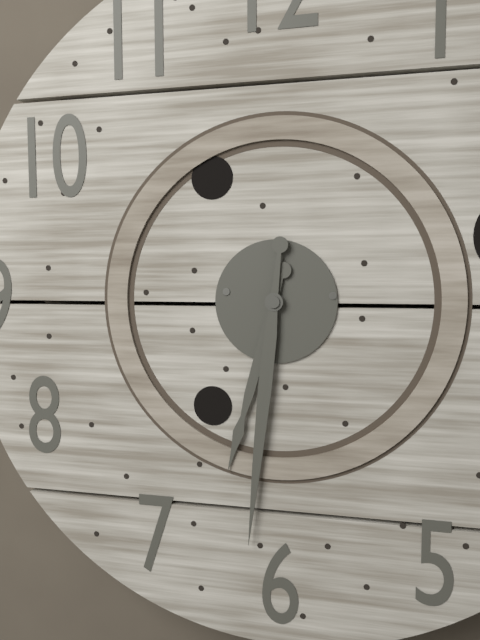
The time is 6,31
